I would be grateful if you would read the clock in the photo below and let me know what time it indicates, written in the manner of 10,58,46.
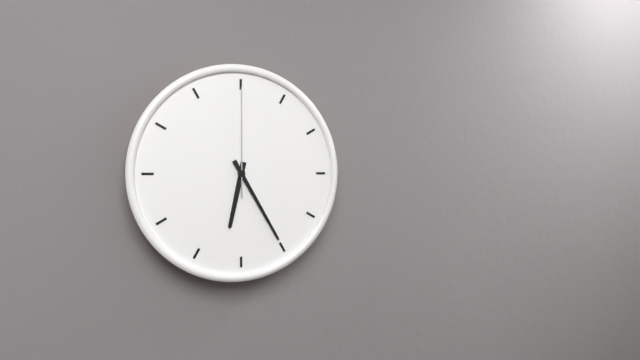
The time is 6,25,00
